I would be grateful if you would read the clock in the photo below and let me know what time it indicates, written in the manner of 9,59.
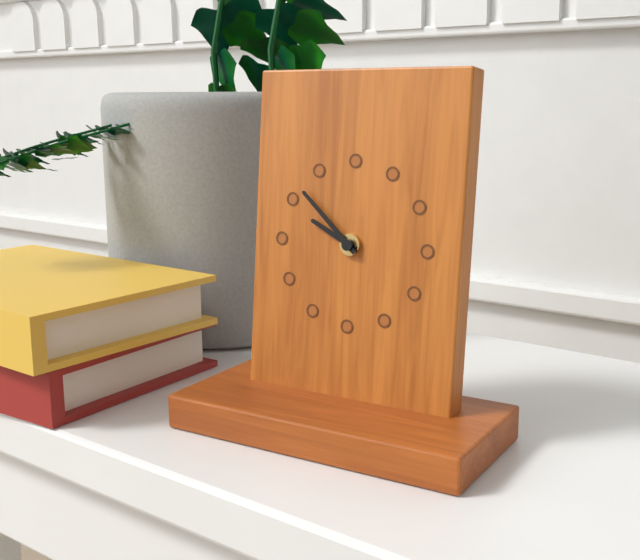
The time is 9,52
